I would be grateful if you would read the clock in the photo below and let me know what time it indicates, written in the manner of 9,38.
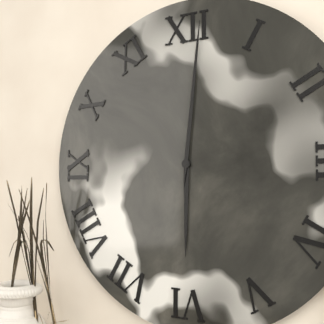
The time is 6,01
